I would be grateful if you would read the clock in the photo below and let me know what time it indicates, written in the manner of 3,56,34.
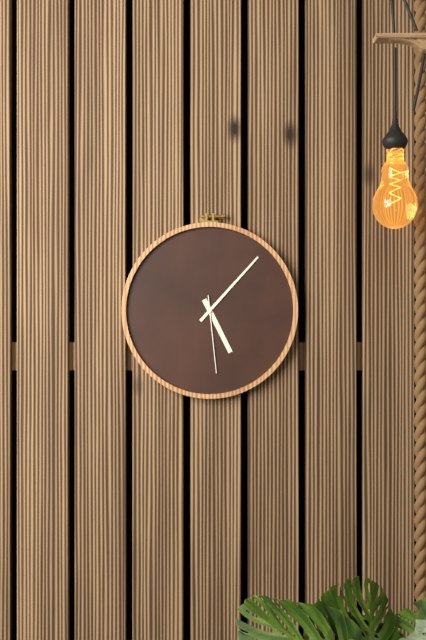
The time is 5,07,29
